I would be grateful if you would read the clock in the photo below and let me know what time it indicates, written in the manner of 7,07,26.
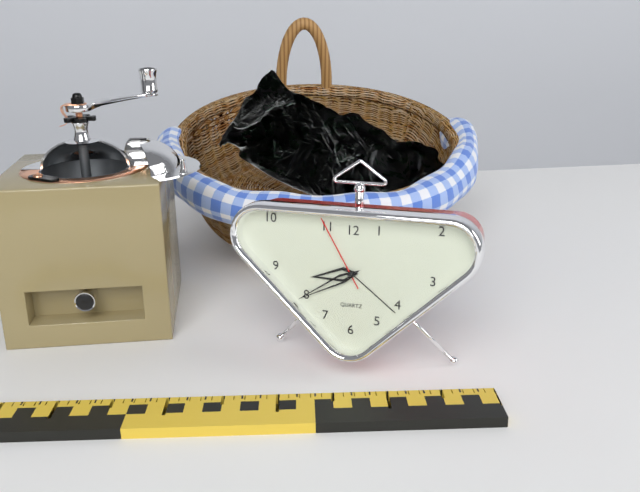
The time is 8,40,55
